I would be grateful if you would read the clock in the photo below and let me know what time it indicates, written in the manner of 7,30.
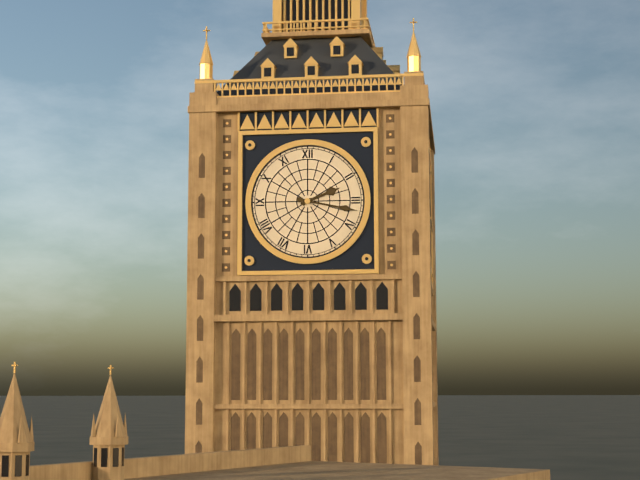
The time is 2,17
